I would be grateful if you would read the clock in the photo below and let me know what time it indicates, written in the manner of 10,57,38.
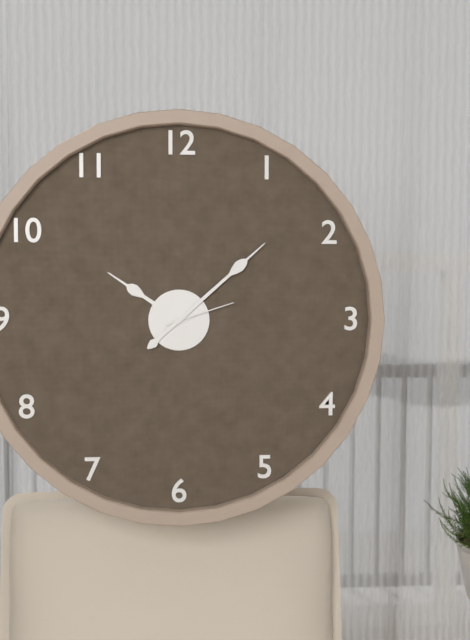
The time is 10,08,12
